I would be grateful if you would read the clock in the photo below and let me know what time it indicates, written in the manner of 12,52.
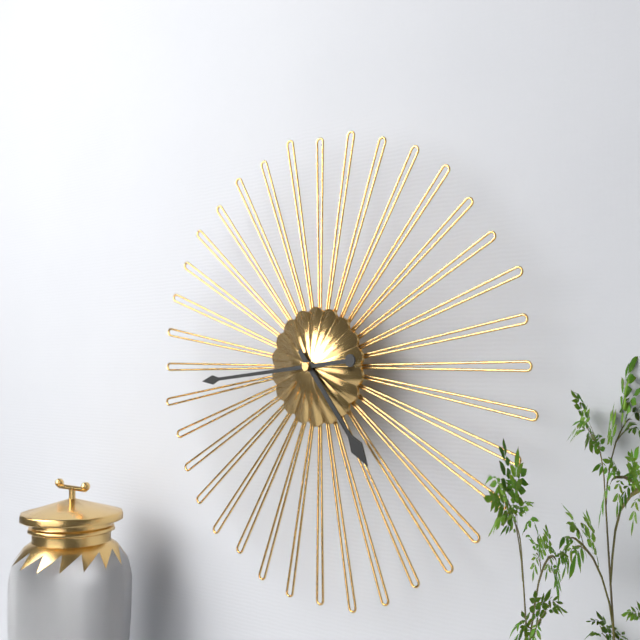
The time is 4,44
